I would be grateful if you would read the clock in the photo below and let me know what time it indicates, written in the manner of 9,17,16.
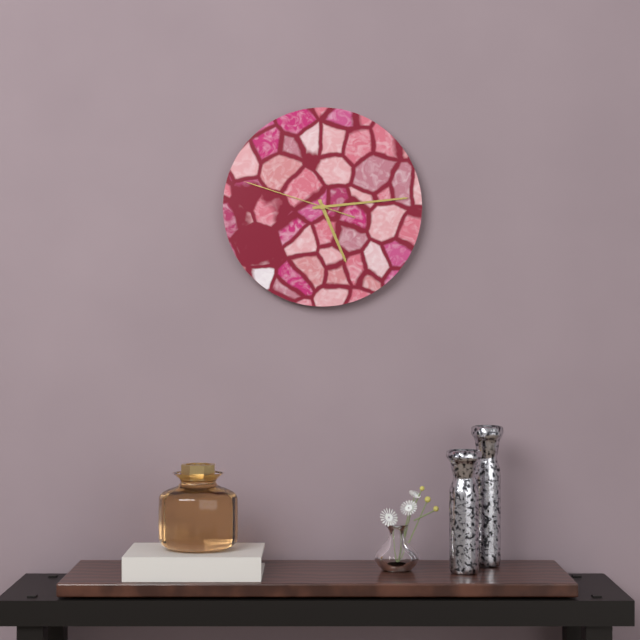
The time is 5,14,48
